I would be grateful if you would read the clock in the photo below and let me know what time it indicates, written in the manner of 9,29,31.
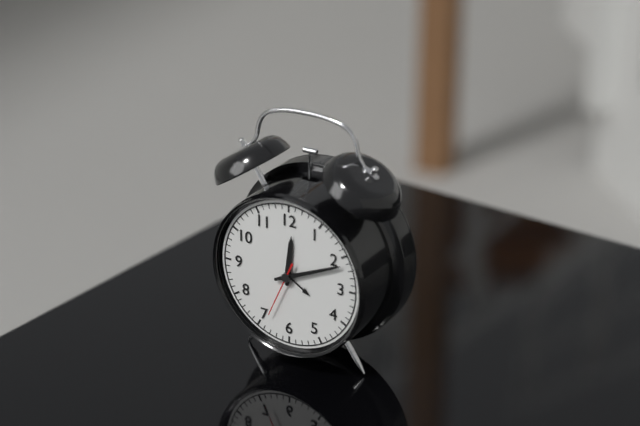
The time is 12,11,34
